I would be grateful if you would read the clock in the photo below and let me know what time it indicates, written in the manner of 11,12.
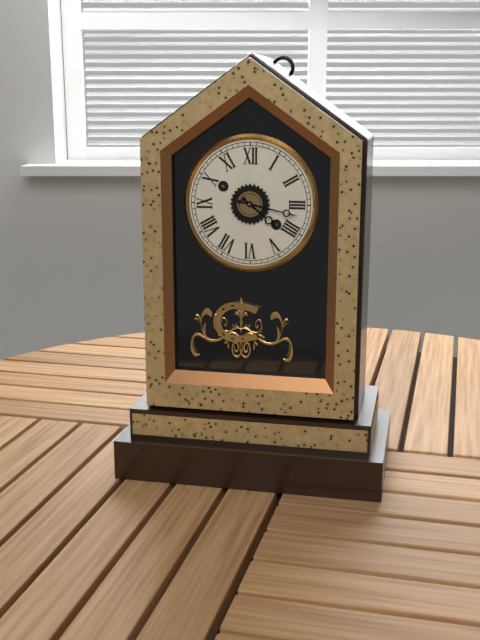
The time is 4,17
